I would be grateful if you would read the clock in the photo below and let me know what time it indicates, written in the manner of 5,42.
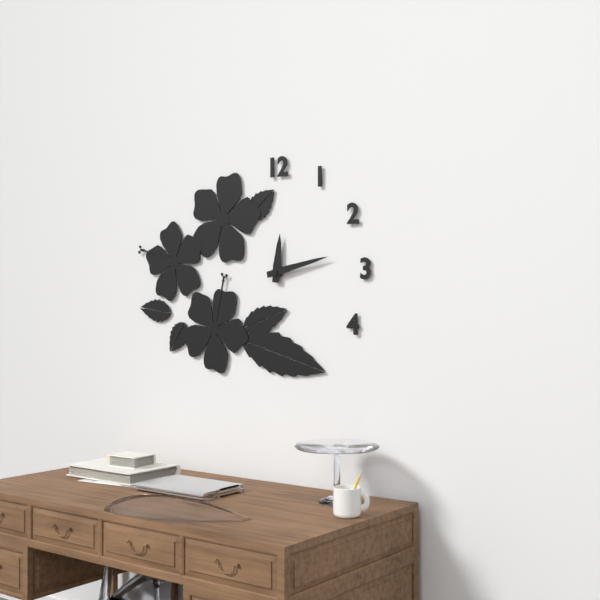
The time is 12,13
